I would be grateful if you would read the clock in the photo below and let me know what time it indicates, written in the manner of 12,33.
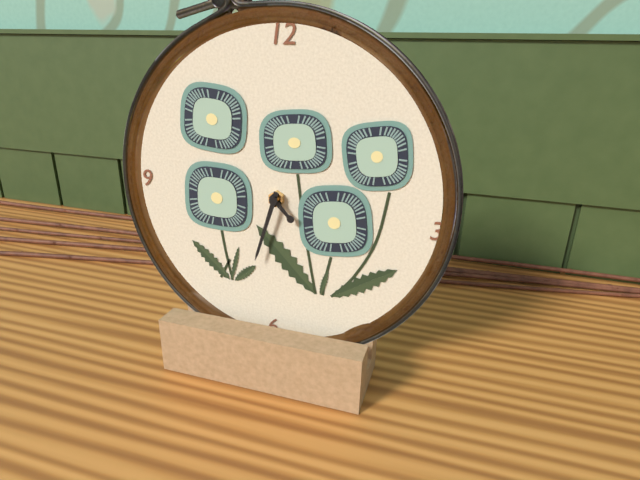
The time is 4,33
